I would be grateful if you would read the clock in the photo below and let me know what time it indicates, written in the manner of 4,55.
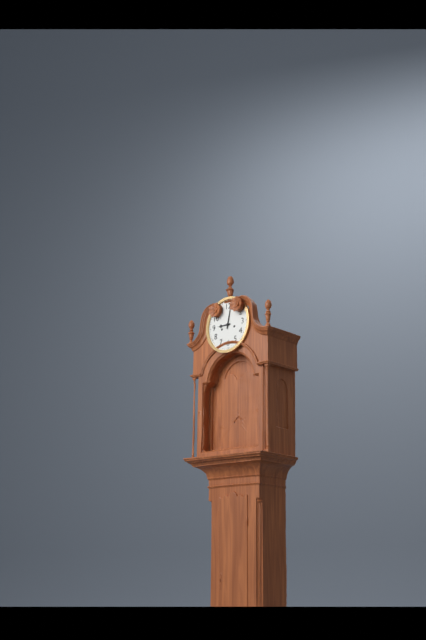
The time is 9,02
